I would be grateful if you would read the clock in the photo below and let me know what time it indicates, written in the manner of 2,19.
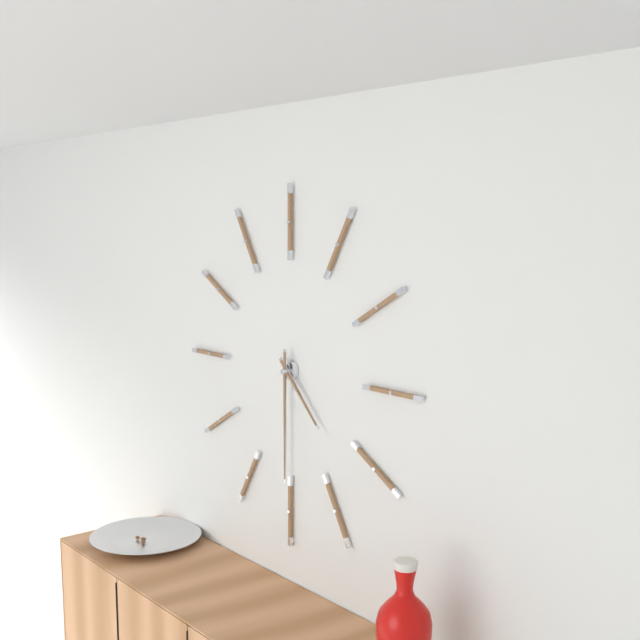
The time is 4,30
